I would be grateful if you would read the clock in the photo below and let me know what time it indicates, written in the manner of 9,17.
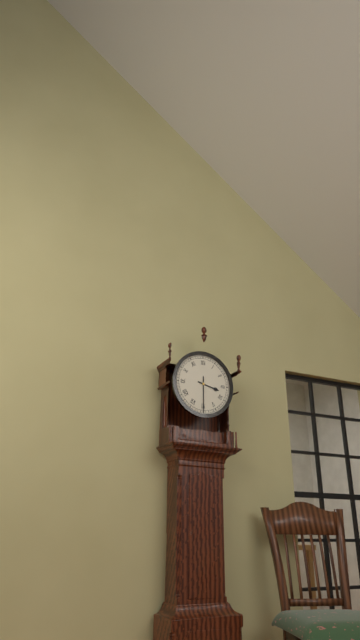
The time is 3,30
